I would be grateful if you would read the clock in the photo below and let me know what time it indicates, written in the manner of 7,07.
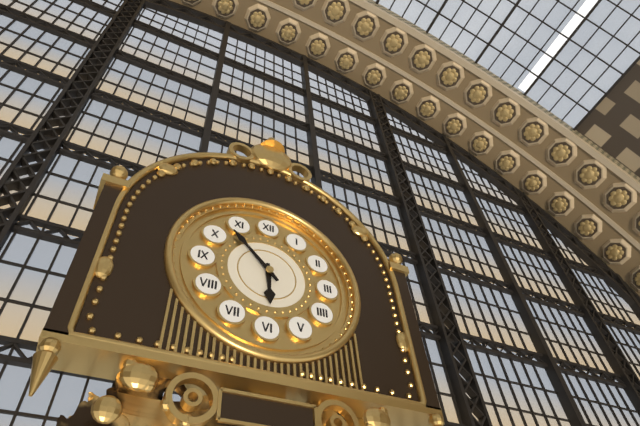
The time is 5,53
